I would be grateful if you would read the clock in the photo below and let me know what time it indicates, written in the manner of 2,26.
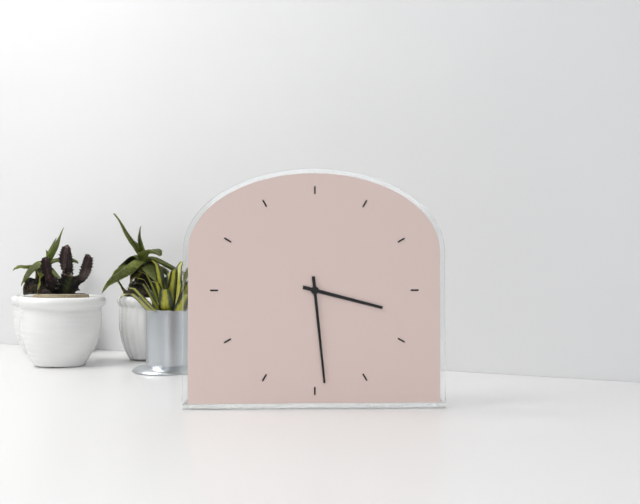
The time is 3,29
